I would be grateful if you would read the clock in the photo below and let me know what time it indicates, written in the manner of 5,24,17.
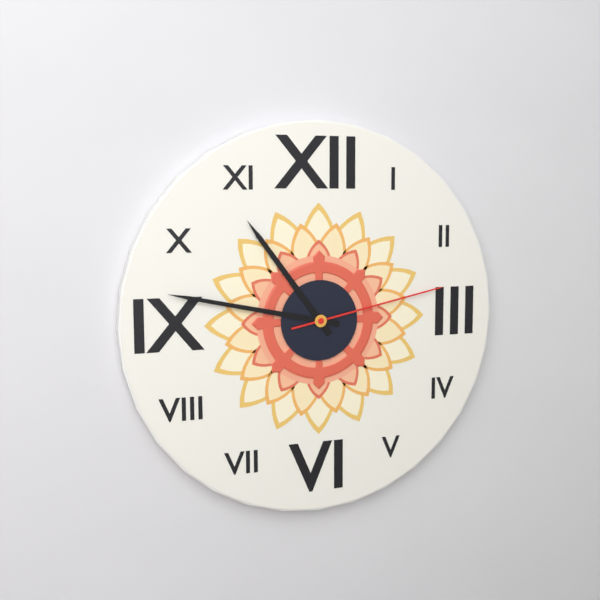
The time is 10,47,13
